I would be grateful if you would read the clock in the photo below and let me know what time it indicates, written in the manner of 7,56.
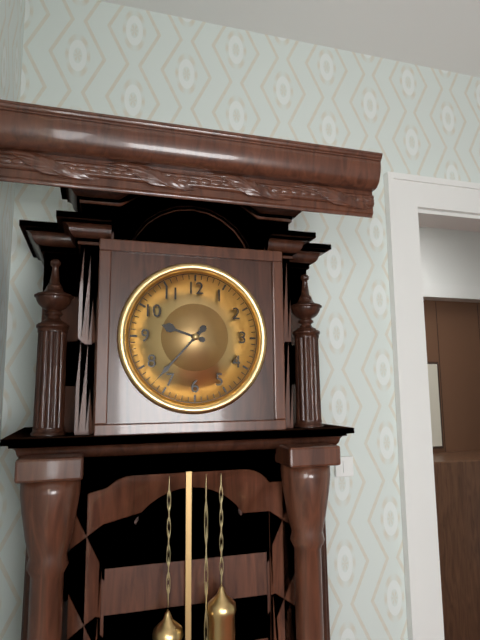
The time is 9,37
